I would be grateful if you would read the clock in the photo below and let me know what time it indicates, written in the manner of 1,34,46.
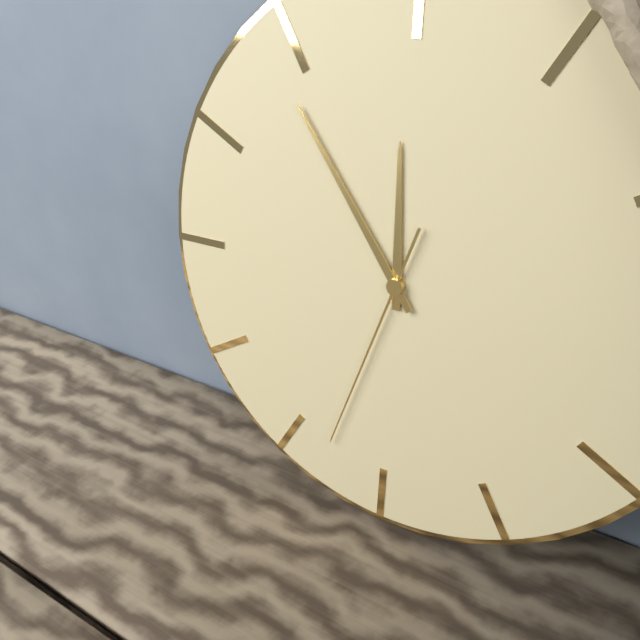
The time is 11,54,33
